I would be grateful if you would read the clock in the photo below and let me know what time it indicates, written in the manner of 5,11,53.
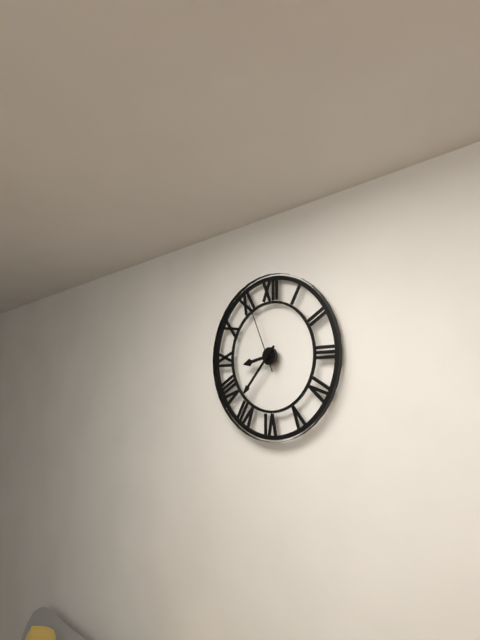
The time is 8,37,56
